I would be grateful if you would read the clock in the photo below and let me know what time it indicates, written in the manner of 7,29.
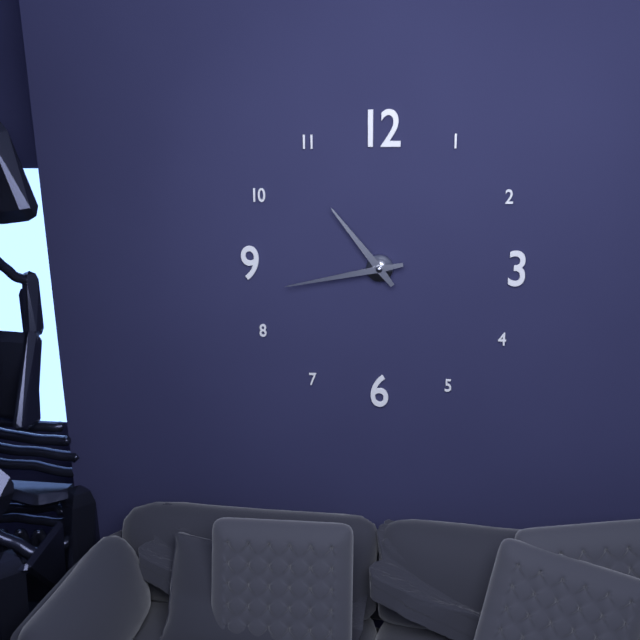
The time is 10,43
